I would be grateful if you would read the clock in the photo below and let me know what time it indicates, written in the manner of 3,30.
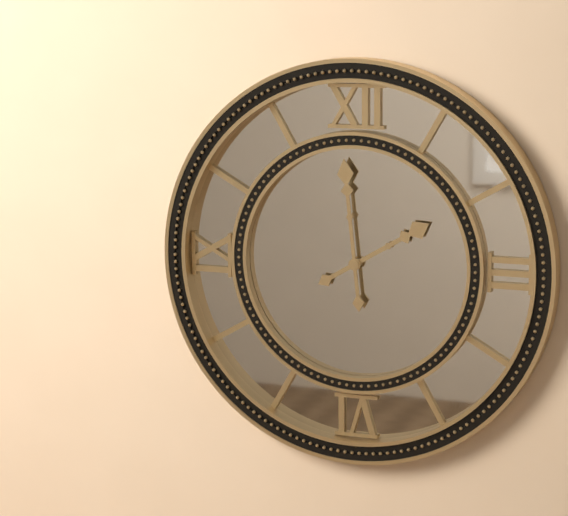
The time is 1,59
